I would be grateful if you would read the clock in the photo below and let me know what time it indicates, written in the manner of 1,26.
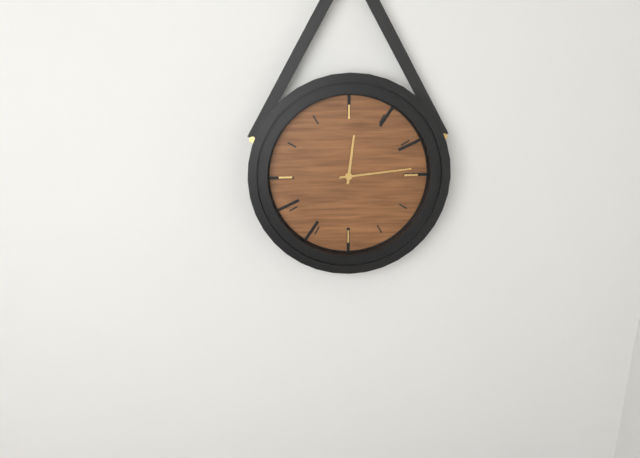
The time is 12,14
